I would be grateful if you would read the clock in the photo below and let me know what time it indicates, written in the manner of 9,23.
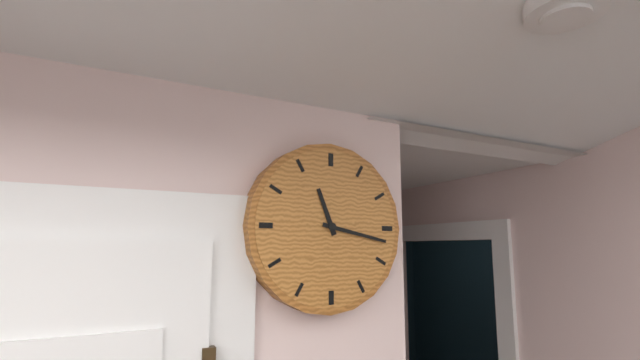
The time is 11,17
